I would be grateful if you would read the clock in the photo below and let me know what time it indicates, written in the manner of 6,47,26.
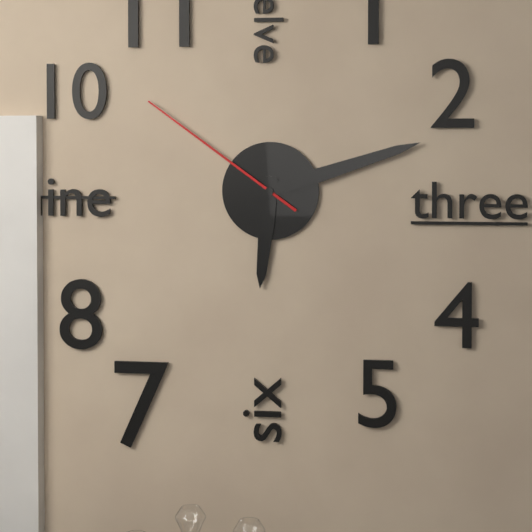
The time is 6,12,51
